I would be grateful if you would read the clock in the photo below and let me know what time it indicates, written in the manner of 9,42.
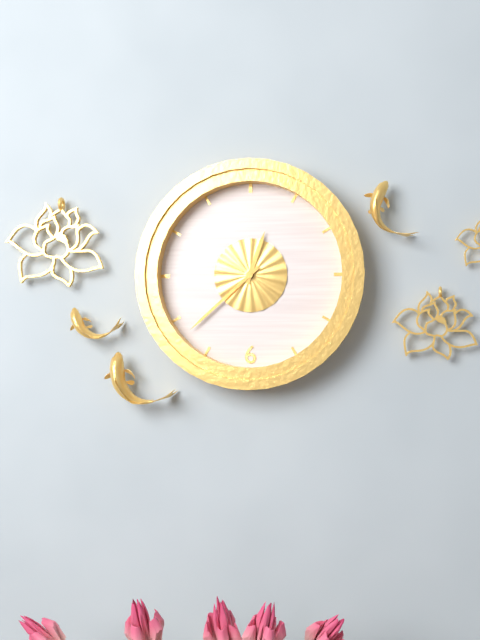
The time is 12,38
